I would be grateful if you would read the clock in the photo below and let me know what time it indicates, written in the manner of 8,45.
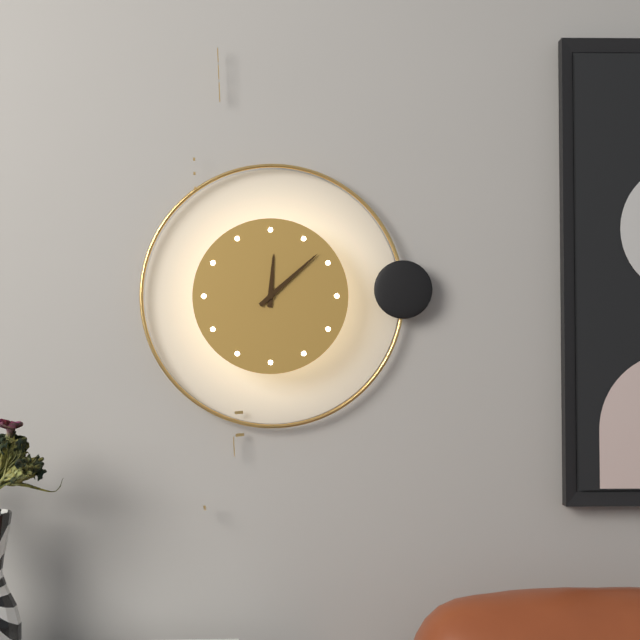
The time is 12,08
